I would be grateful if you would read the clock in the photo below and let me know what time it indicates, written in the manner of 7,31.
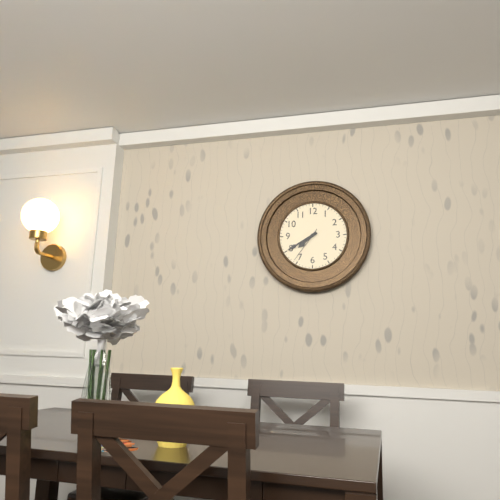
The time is 7,40
